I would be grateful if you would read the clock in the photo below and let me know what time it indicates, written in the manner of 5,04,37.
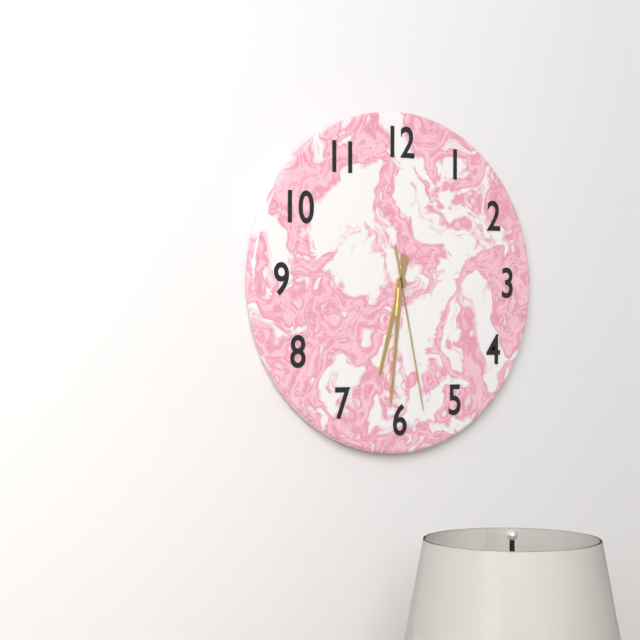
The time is 6,31,28
